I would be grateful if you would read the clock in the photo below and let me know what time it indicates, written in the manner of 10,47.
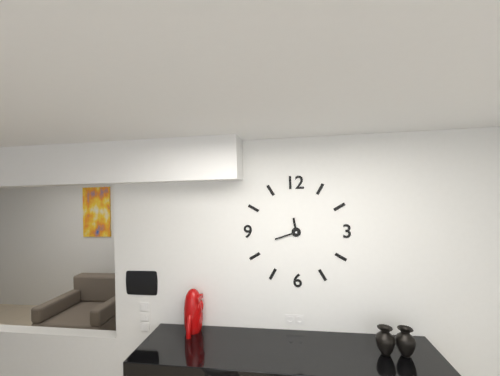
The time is 11,42
